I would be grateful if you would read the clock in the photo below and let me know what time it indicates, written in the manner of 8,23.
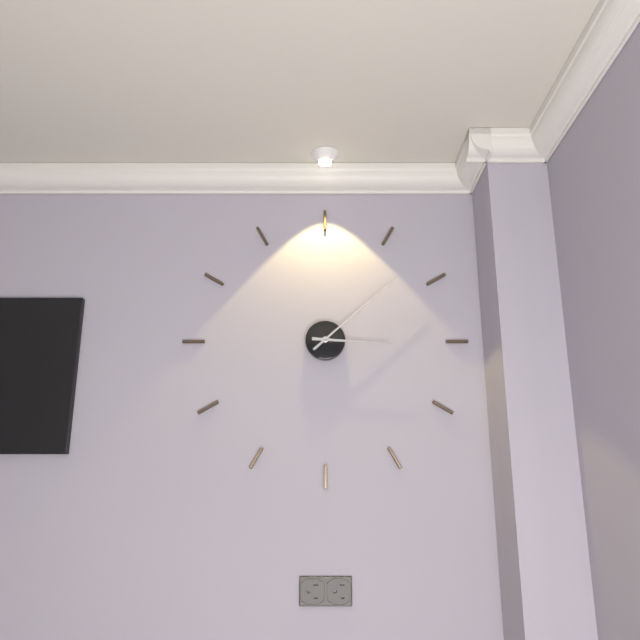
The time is 3,08
